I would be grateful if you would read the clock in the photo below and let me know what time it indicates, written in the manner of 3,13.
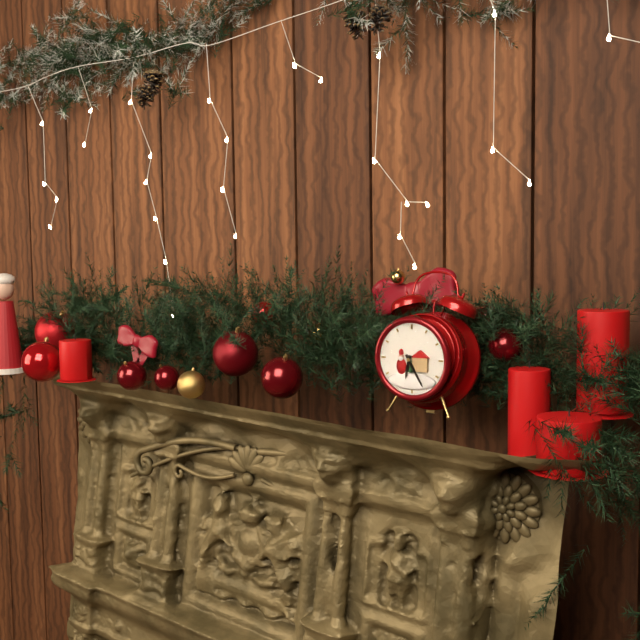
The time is 6,25
